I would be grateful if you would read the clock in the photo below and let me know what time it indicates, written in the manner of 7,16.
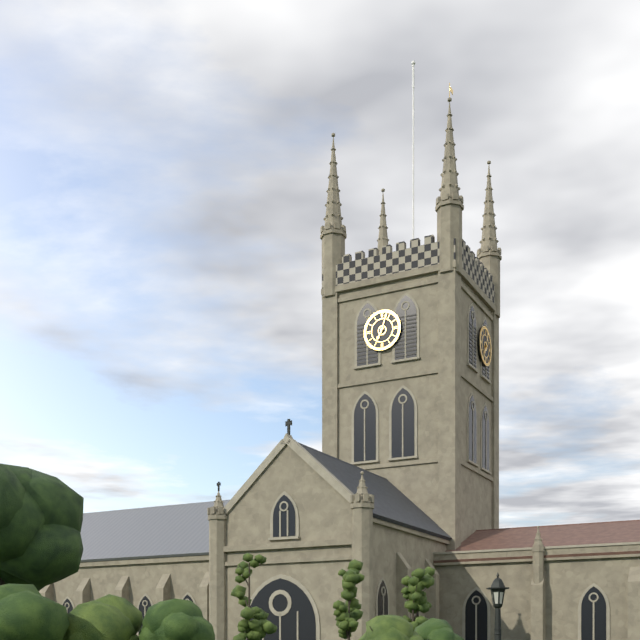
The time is 7,03
